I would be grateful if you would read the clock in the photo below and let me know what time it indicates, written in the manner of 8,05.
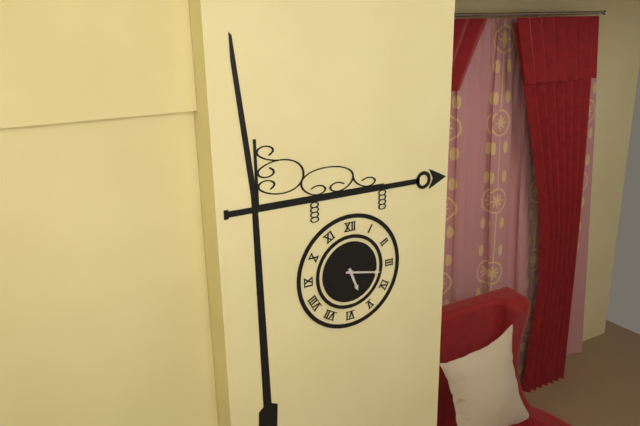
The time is 5,17
